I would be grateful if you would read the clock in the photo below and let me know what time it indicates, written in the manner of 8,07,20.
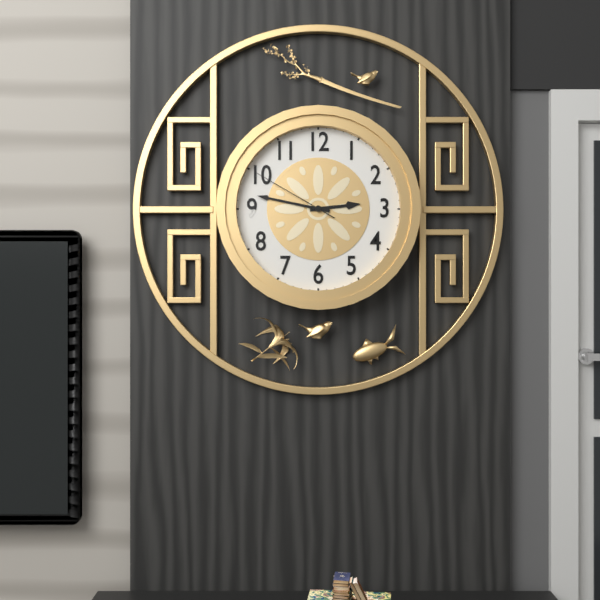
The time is 2,47,50
